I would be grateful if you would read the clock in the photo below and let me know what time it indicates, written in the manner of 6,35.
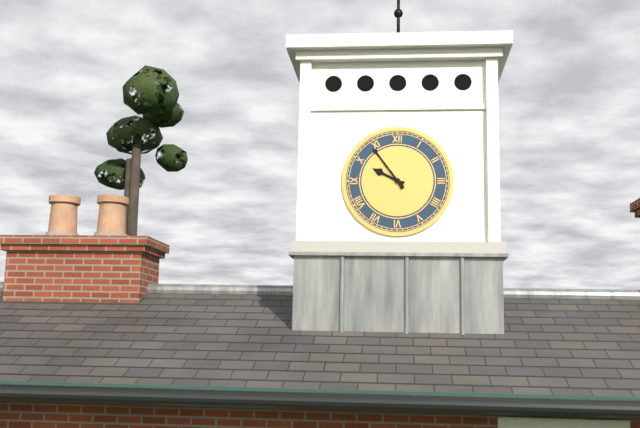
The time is 9,54
